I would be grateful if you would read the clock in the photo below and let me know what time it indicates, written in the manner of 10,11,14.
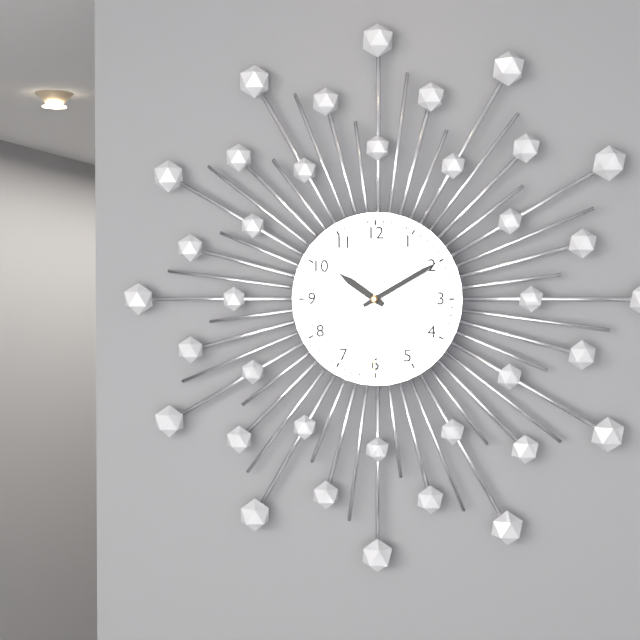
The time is 10,10,30
